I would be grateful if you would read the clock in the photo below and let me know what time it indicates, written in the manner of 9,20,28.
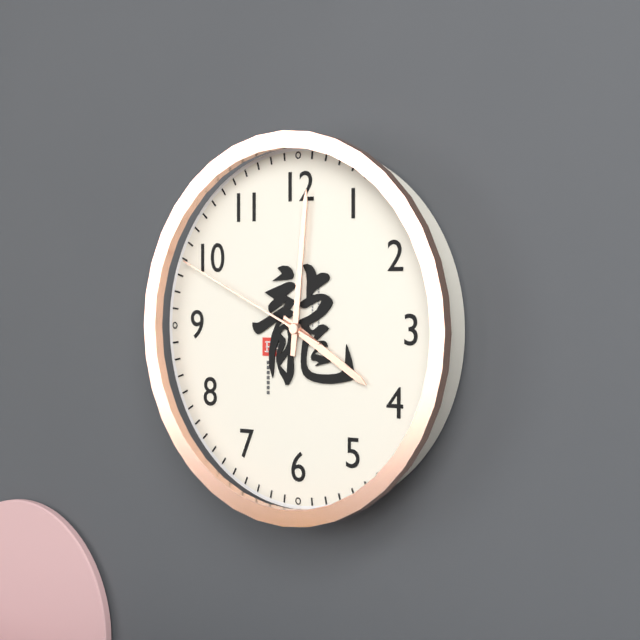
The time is 4,01,49
